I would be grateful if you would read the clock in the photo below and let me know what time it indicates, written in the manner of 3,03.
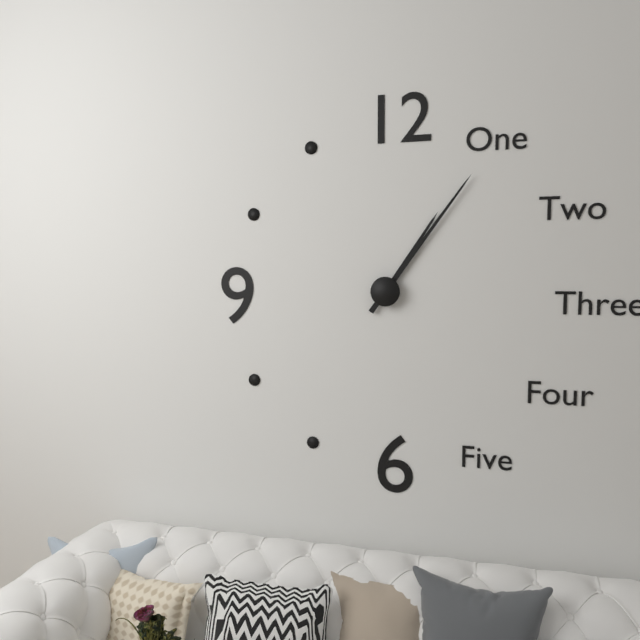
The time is 1,06
